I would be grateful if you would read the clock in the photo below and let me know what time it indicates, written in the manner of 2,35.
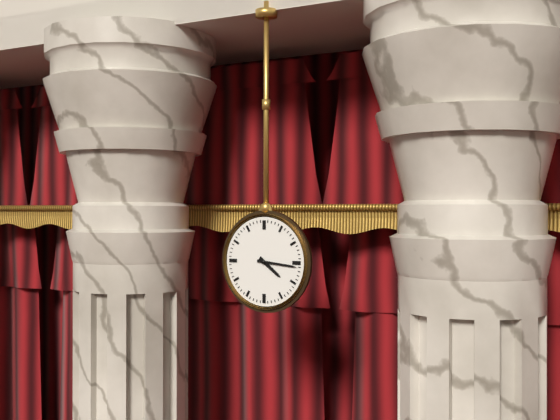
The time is 4,16
